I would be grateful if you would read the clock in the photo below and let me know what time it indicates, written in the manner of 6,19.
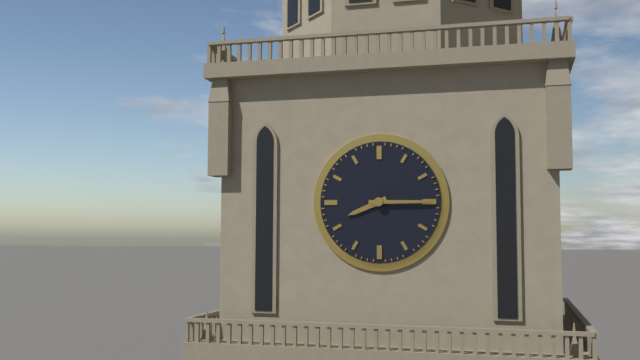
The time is 8,15
